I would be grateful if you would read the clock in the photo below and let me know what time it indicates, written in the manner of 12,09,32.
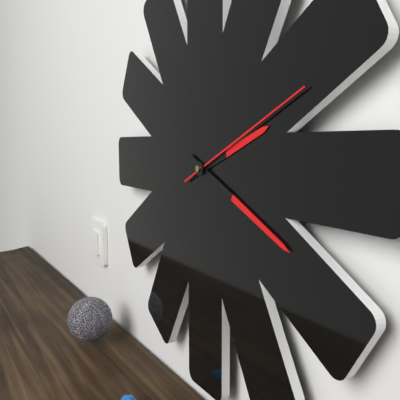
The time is 2,19,11
